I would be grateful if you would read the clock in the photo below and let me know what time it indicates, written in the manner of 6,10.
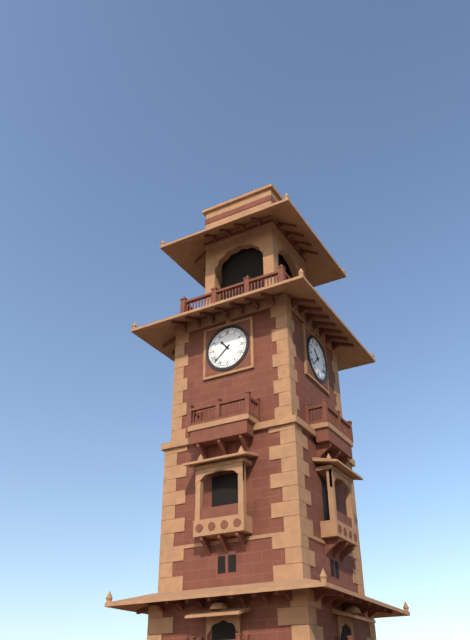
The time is 10,38
